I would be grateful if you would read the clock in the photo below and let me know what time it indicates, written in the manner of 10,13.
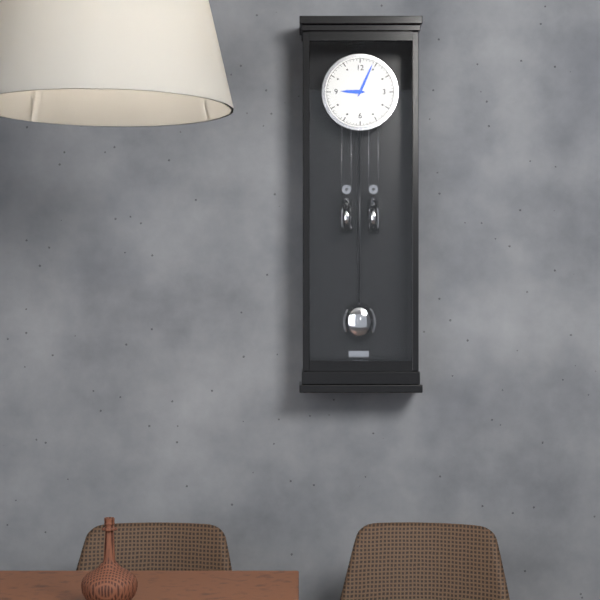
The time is 9,04
